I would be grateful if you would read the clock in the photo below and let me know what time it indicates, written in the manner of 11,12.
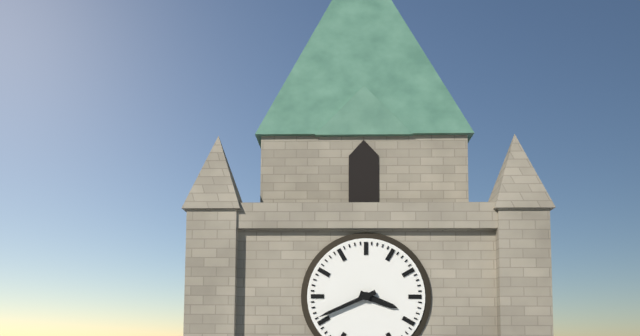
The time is 3,41
